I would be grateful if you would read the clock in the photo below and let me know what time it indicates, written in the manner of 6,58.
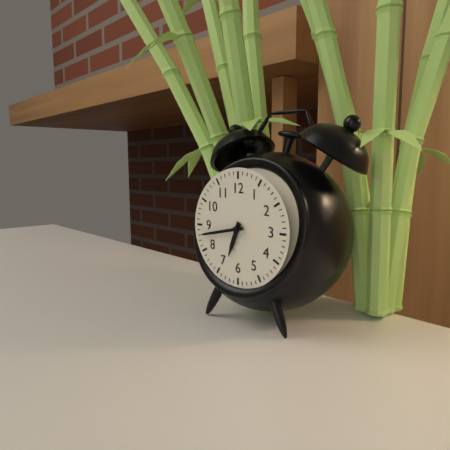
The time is 6,43
